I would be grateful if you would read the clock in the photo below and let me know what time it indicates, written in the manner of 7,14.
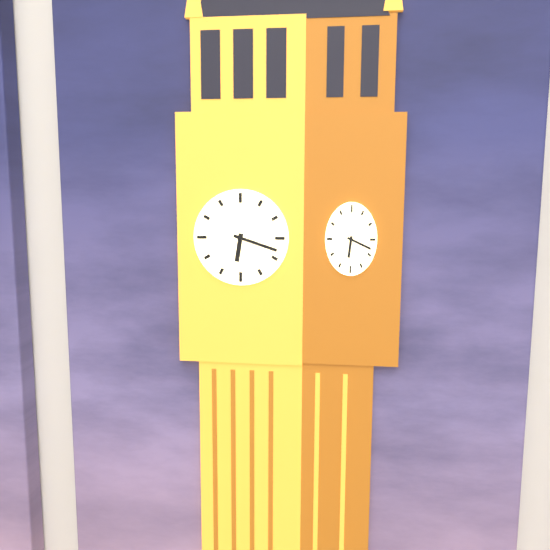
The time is 6,18
